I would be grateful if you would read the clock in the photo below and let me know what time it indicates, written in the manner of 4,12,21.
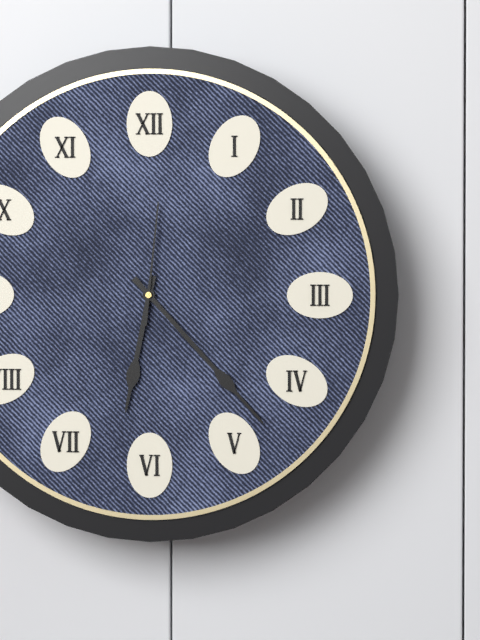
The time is 6,23,01
